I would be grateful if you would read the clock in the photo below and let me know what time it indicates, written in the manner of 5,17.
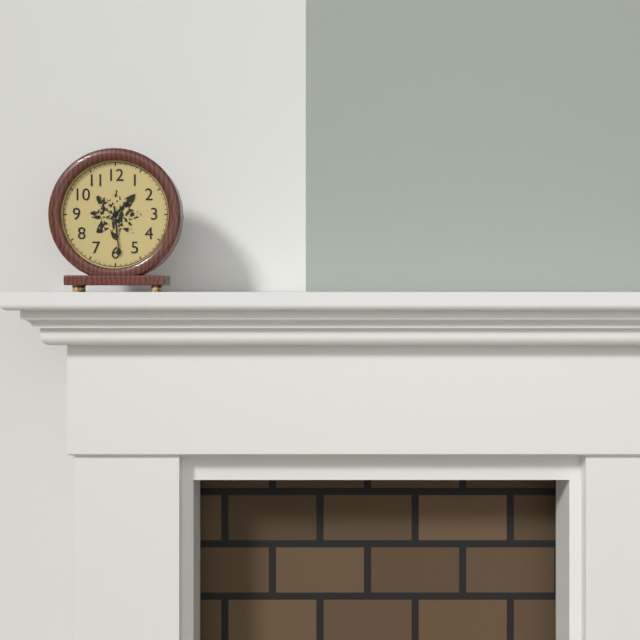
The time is 1,29
